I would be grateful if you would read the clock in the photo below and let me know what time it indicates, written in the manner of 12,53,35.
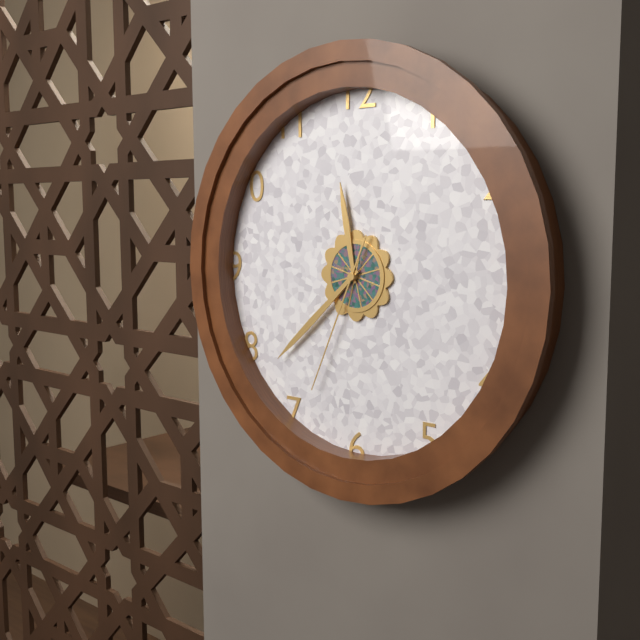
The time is 11,38,34
